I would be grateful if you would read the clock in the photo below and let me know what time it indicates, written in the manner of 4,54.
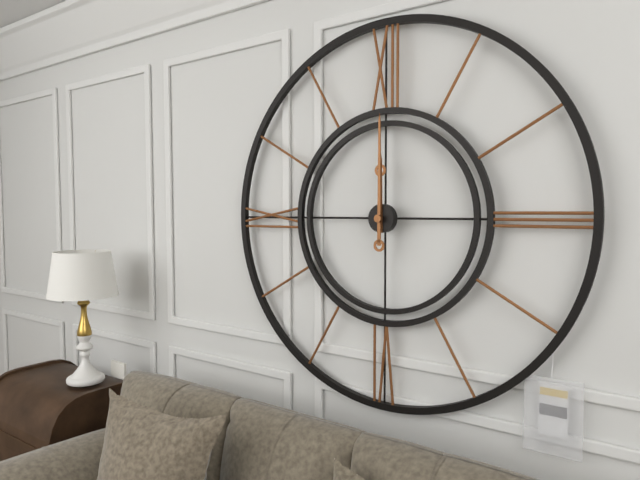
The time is 12,00
